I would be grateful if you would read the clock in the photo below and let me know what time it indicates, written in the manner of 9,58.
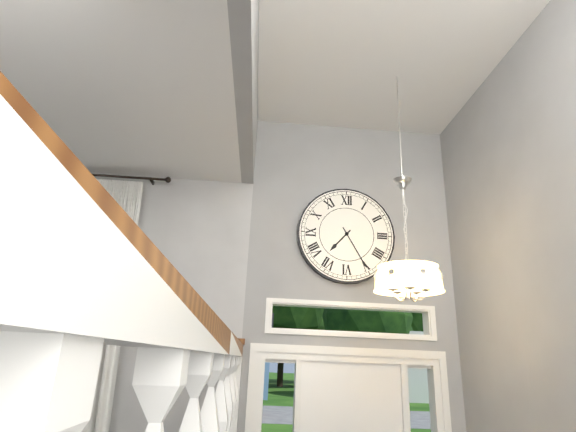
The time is 7,25
